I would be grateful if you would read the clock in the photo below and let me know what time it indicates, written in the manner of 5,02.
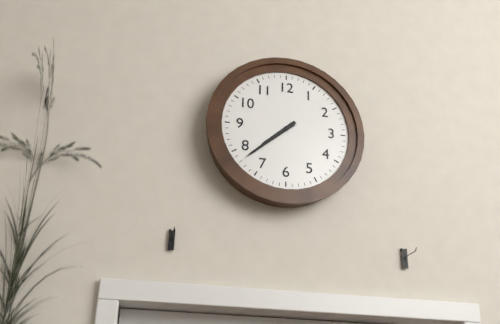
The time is 7,38
